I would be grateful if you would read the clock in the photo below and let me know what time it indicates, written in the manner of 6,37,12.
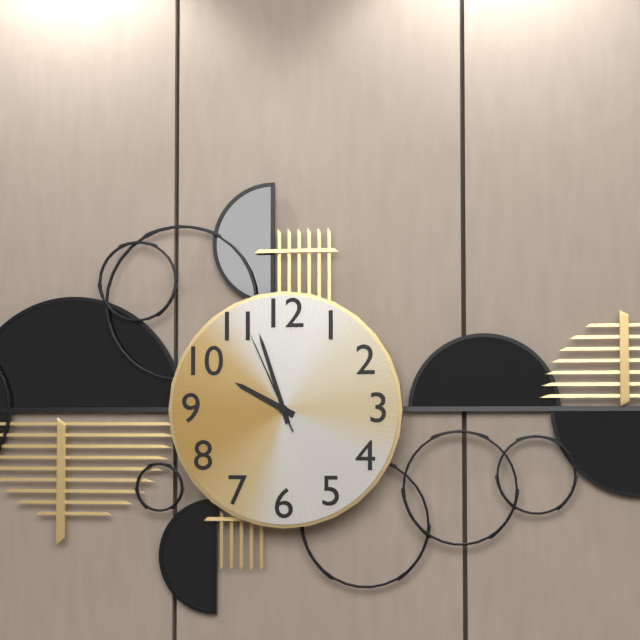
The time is 9,57,56
